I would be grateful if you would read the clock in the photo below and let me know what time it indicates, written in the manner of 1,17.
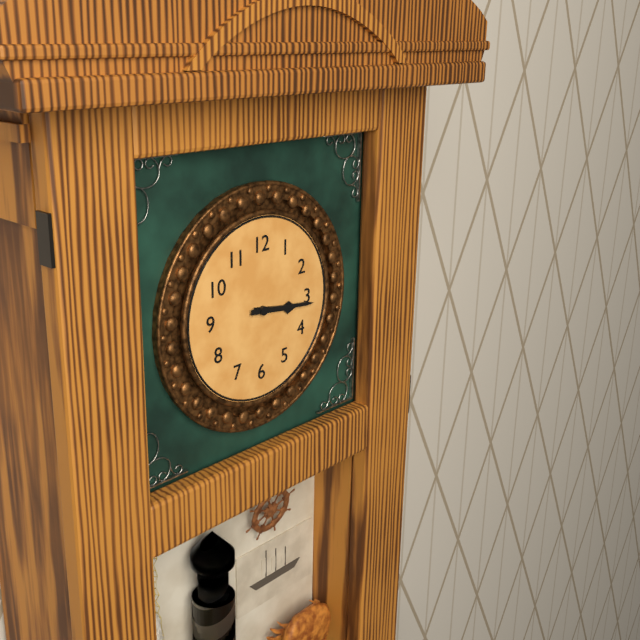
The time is 3,16
